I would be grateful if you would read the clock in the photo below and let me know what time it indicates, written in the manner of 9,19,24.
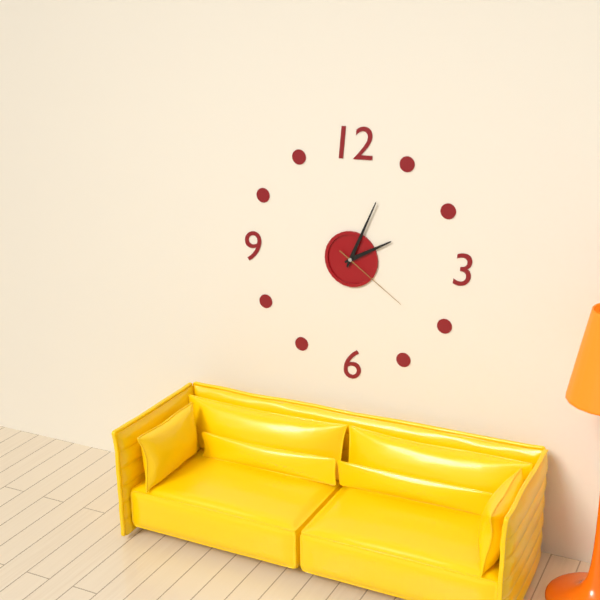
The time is 2,04,21
